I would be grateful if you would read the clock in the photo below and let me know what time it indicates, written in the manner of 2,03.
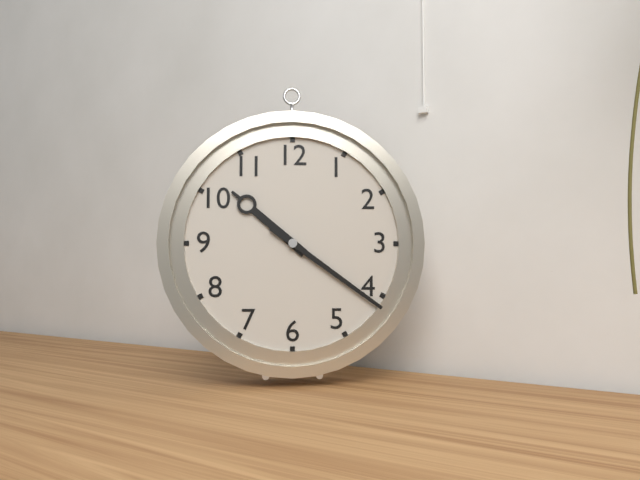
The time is 10,21
